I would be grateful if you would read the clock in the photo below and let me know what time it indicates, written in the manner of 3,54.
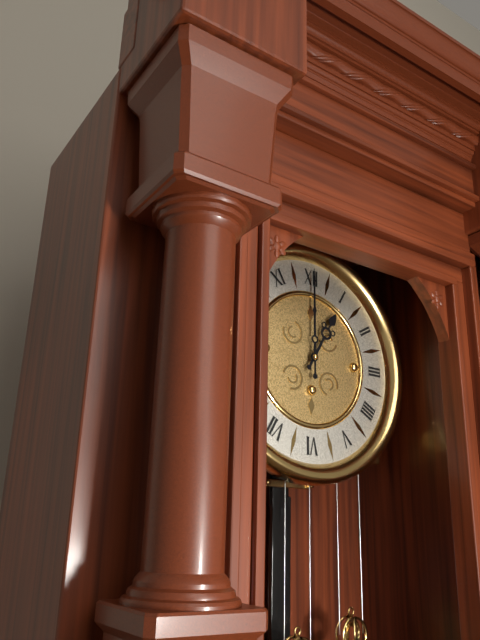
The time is 1,00
